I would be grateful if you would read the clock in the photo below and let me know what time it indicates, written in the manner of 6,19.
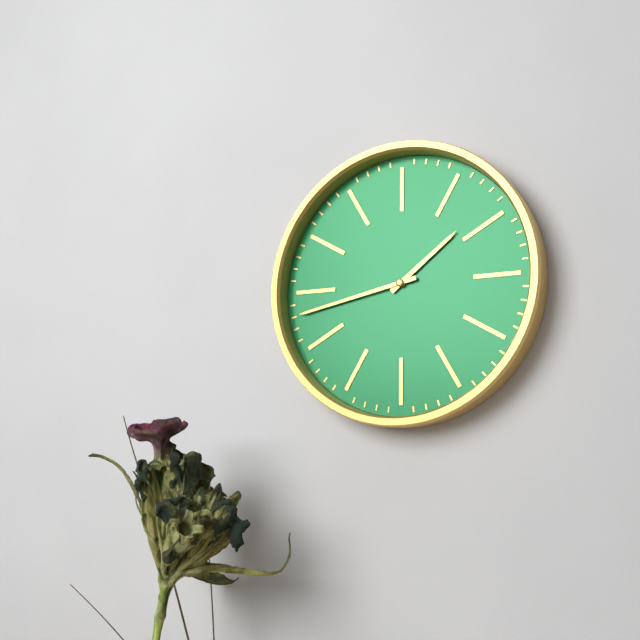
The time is 1,43
